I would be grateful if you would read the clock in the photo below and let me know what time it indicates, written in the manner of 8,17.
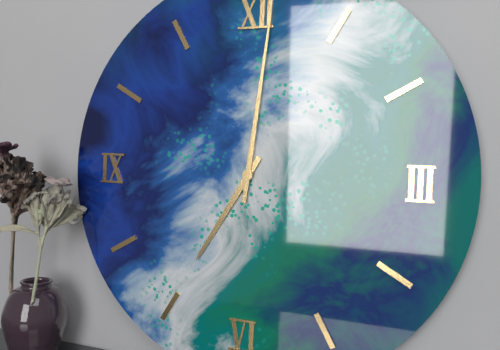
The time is 7,01
